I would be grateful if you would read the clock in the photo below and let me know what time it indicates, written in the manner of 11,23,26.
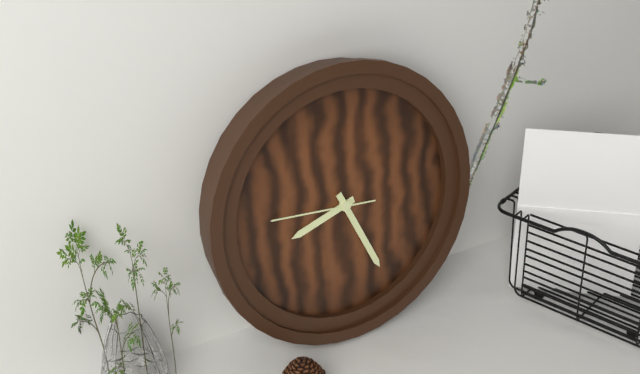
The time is 8,26,46
